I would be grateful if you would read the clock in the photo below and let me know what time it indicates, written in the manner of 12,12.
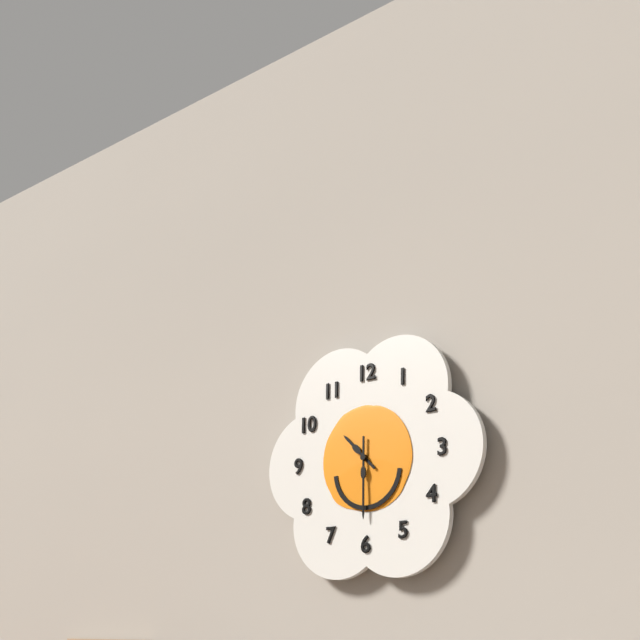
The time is 10,30
